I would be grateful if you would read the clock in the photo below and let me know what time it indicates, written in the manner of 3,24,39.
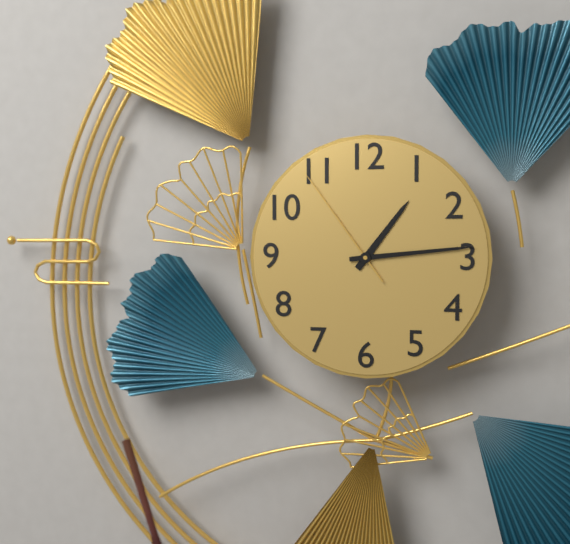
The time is 1,14,54
